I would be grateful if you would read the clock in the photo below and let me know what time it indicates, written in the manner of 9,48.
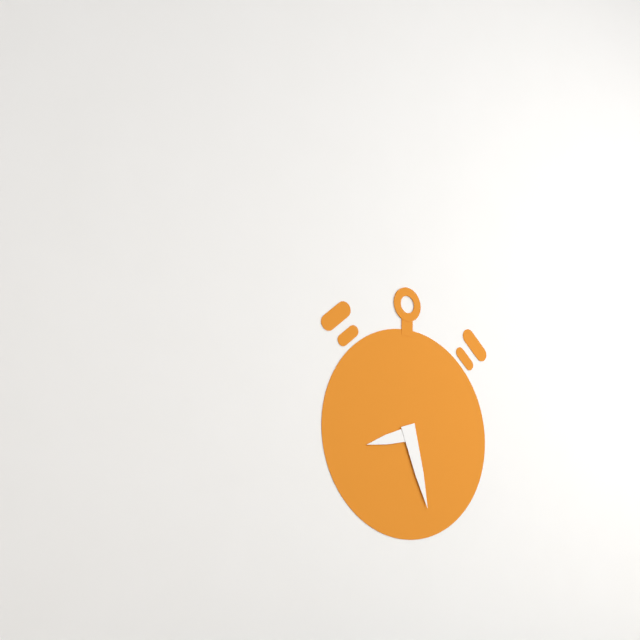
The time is 8,27
